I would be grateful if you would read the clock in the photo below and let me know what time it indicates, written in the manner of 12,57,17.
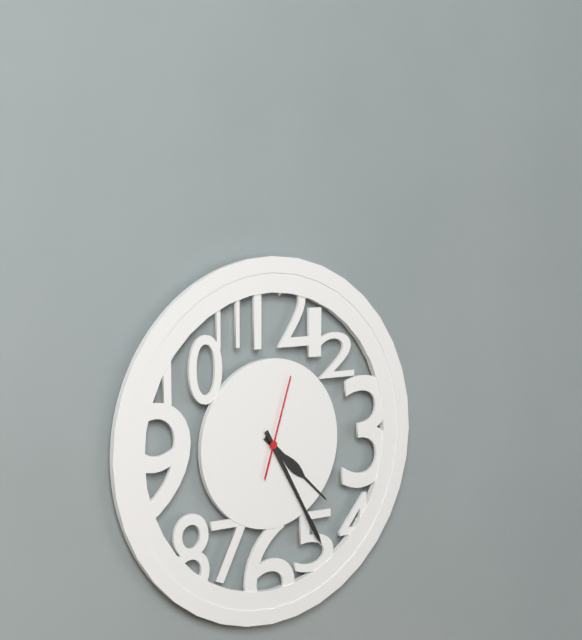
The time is 4,25,03
